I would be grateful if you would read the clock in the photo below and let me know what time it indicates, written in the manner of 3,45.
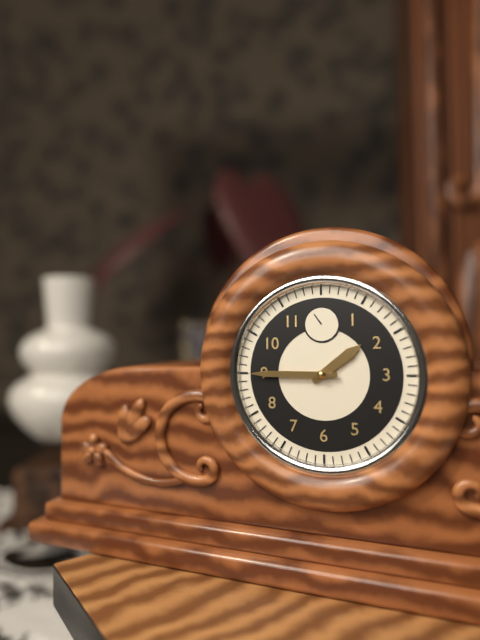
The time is 1,45
